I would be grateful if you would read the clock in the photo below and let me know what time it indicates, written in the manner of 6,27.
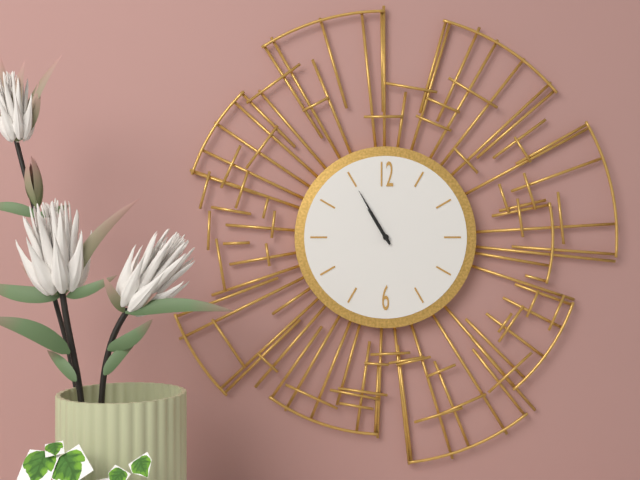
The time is 10,55
